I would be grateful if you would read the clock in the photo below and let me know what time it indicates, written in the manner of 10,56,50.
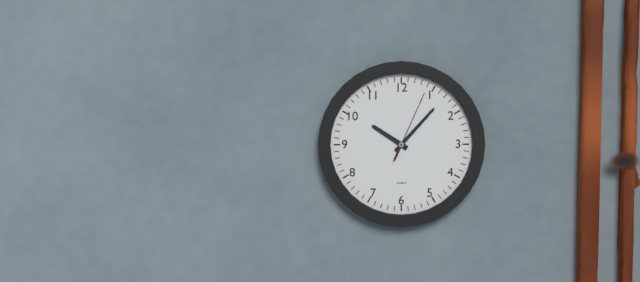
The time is 10,07,04
